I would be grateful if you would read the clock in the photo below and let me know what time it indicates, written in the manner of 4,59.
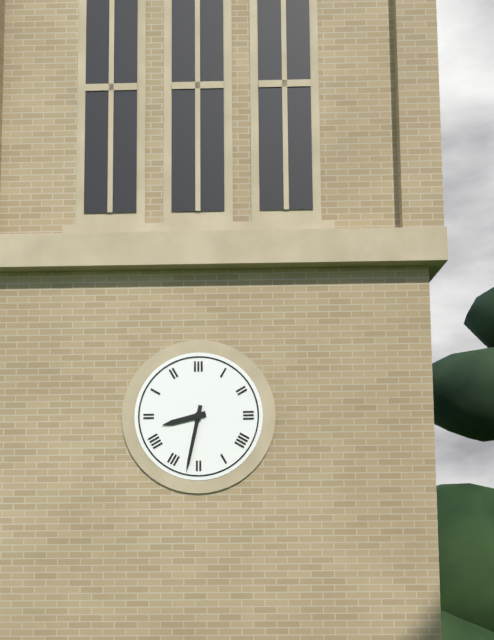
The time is 8,32
